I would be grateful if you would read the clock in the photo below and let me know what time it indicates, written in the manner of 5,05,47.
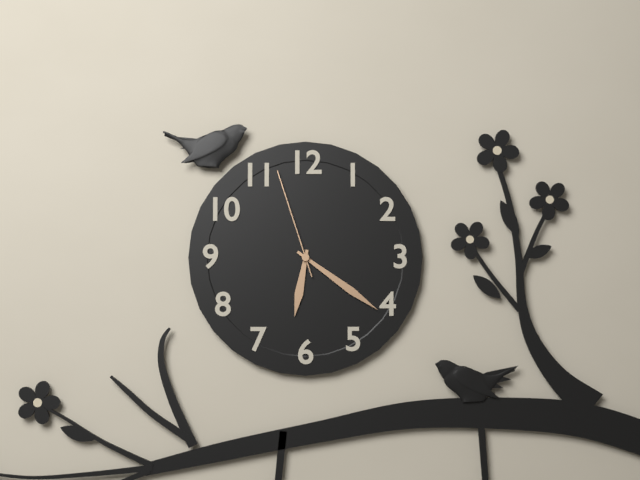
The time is 6,21,57
